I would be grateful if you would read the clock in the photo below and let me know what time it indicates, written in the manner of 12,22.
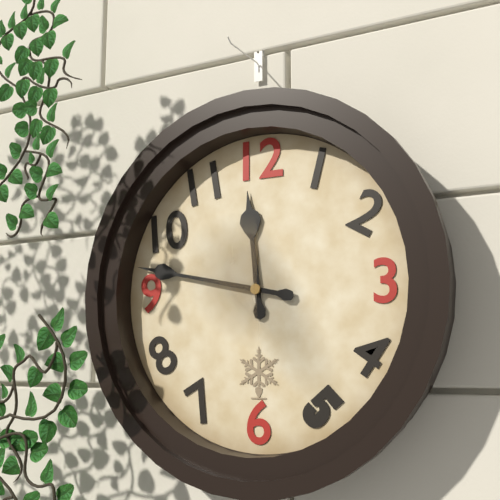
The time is 11,47
